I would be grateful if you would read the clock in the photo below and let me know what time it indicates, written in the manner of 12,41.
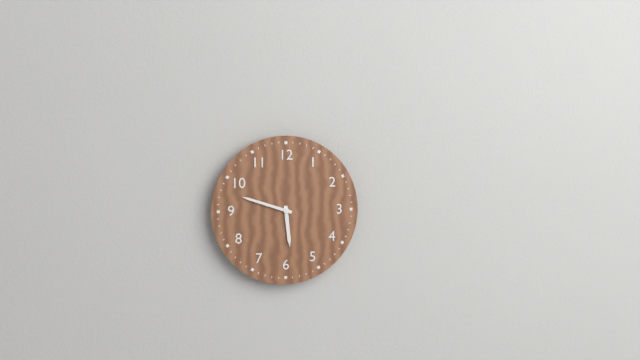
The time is 5,48
